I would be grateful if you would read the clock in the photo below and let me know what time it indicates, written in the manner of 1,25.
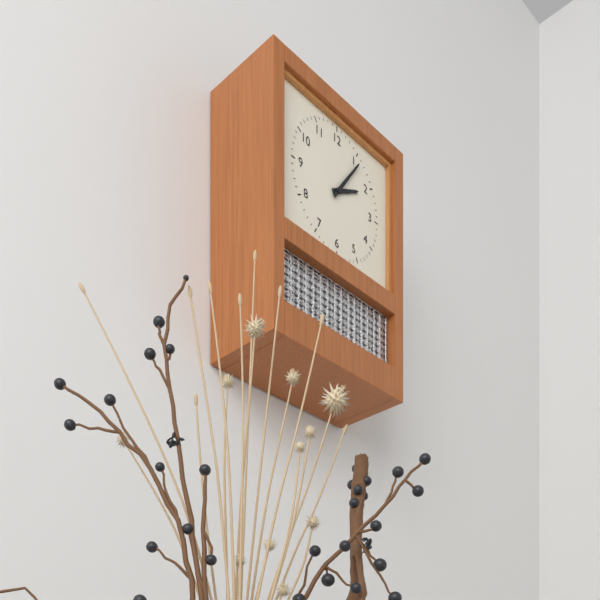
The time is 2,06
